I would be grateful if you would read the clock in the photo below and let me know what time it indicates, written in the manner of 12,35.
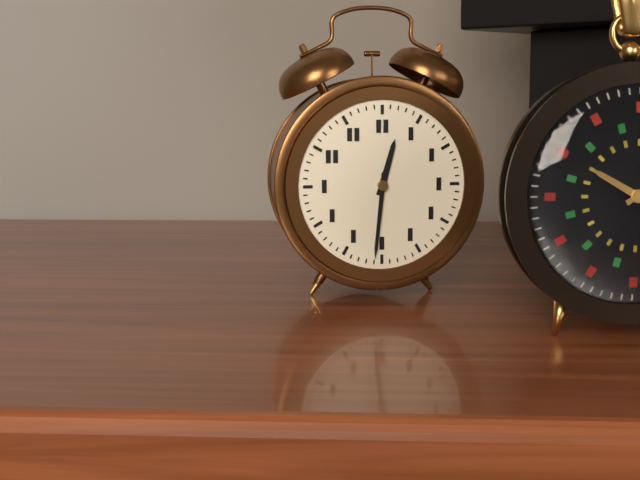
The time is 12,31
